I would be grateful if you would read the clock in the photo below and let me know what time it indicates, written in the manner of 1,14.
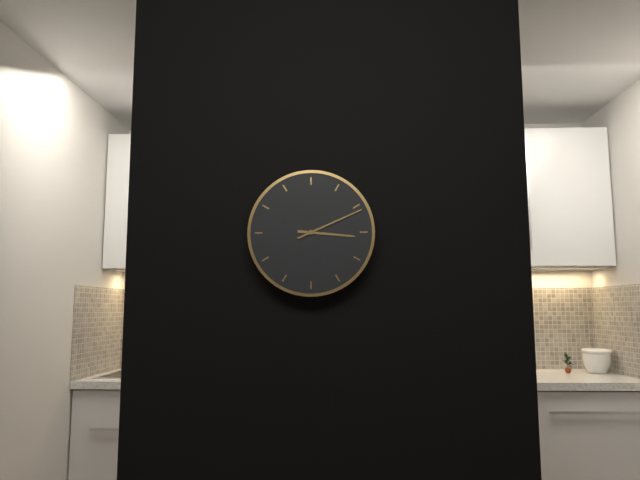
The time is 3,11
